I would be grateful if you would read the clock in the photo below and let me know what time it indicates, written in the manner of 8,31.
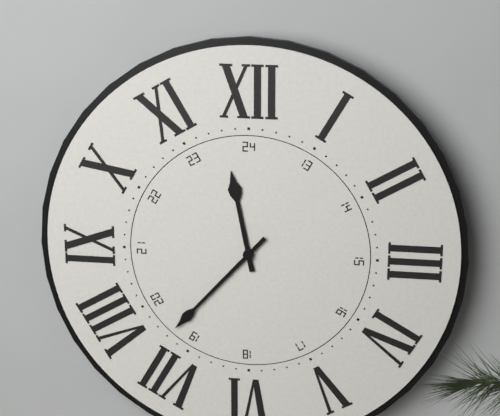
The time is 11,37
